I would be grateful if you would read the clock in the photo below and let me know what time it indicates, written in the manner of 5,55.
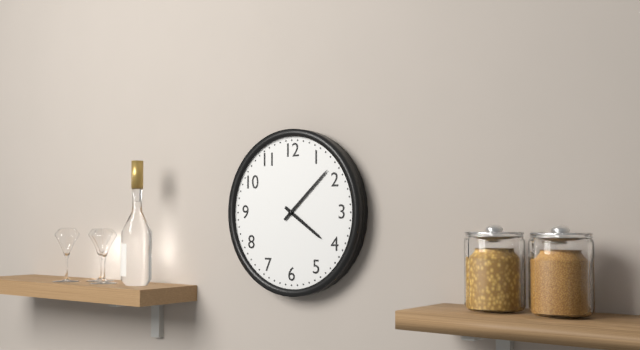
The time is 4,08
